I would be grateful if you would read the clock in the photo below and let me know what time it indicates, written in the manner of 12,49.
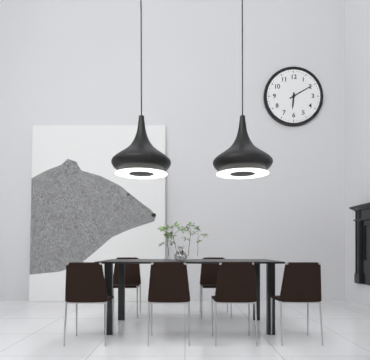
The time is 6,10
